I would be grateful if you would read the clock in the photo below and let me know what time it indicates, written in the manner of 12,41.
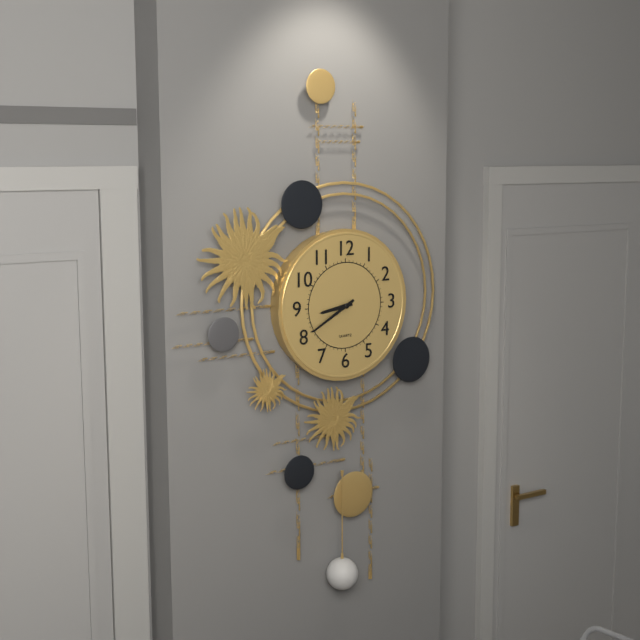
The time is 8,40
